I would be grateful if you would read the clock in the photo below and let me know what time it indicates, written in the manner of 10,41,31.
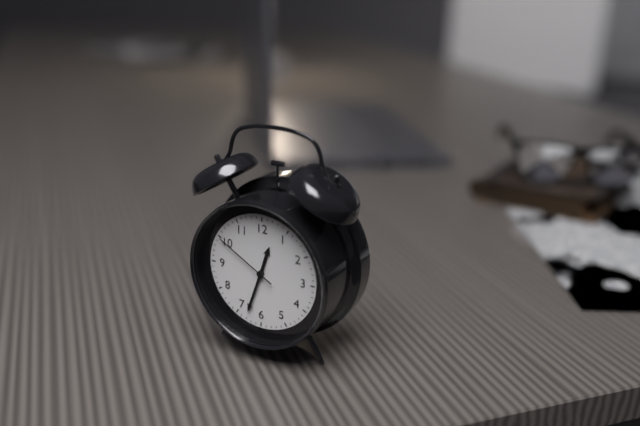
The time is 12,33,50
